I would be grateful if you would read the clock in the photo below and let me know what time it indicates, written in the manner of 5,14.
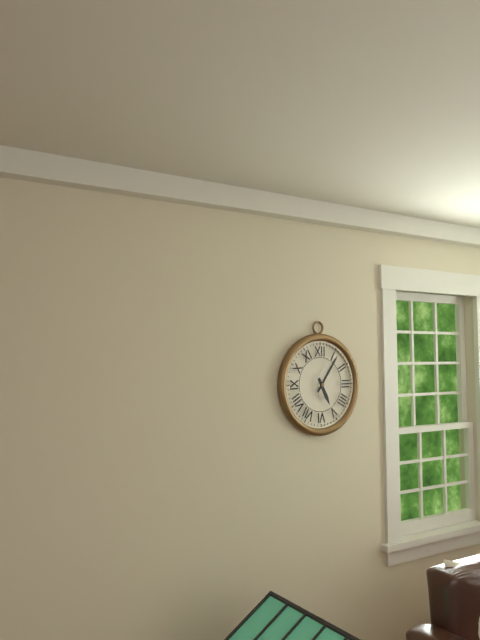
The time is 5,06
